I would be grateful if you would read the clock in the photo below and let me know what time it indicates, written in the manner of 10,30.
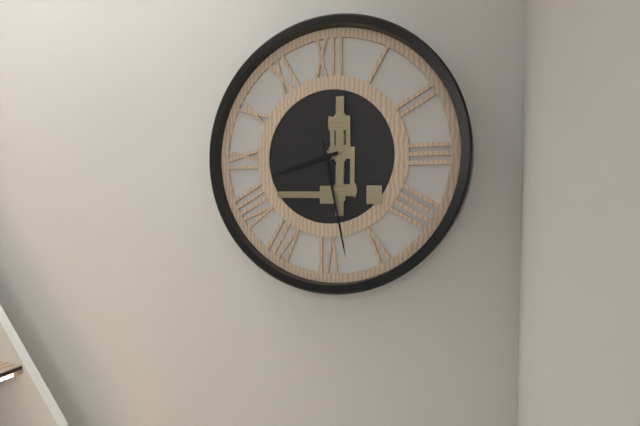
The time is 8,28
